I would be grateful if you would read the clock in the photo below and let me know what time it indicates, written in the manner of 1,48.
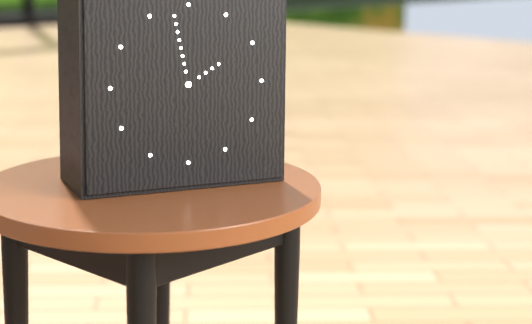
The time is 1,58
